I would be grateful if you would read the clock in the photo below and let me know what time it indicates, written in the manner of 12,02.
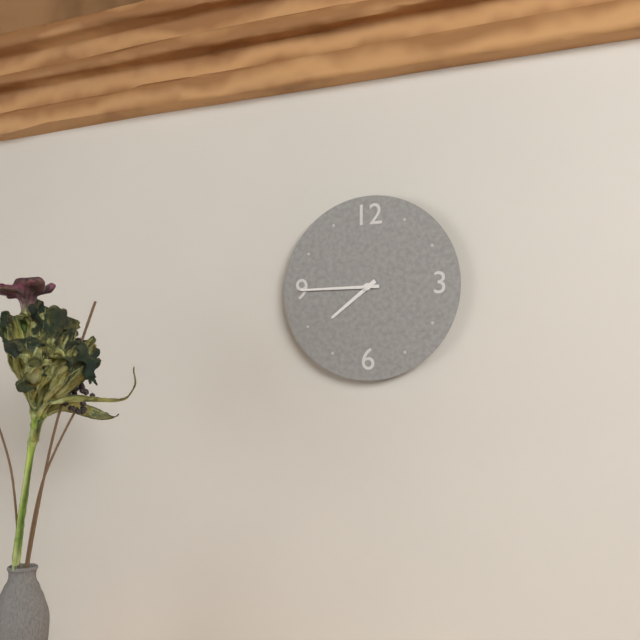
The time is 7,45
